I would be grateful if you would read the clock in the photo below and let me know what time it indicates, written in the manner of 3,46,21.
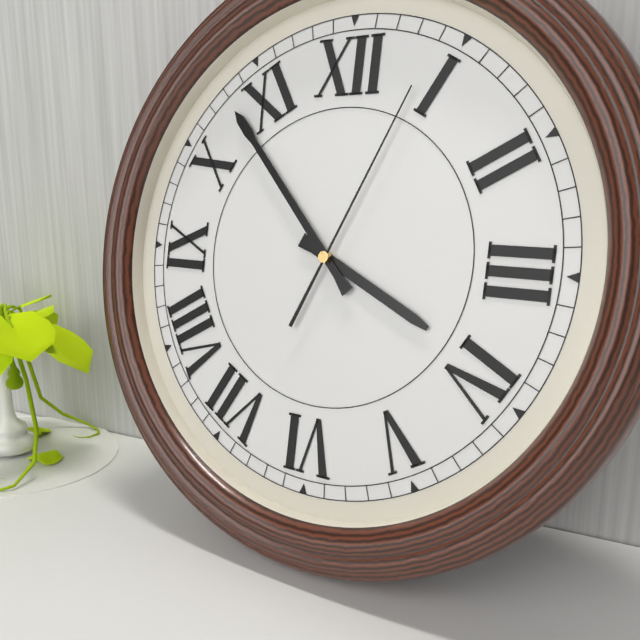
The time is 3,53,04
